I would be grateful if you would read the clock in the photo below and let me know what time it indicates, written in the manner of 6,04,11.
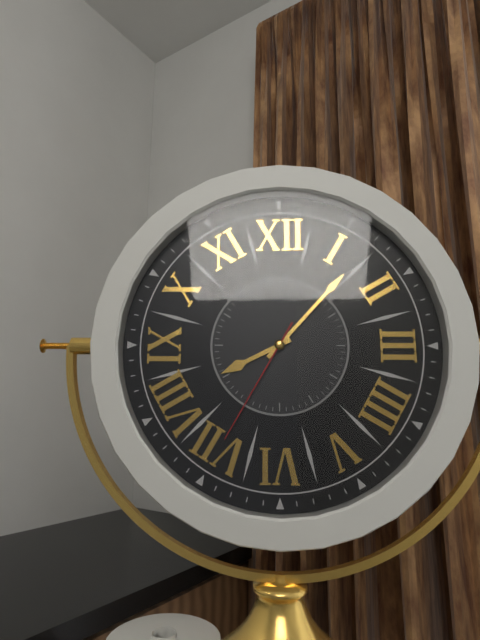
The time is 8,07,35
